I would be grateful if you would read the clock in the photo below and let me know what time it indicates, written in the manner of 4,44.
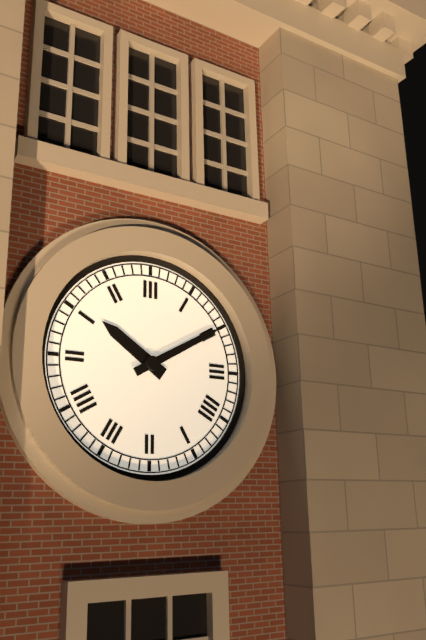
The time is 10,10
